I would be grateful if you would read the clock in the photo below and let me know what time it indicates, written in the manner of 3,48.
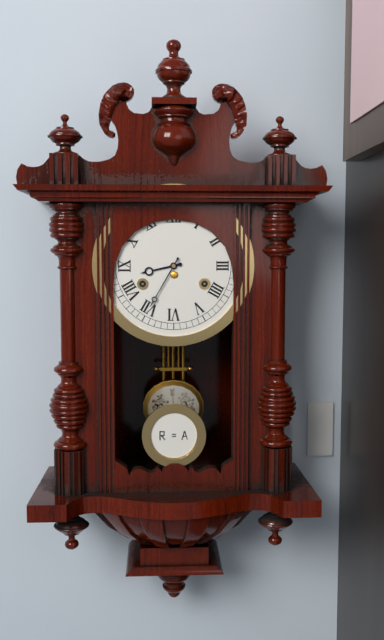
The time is 8,35
